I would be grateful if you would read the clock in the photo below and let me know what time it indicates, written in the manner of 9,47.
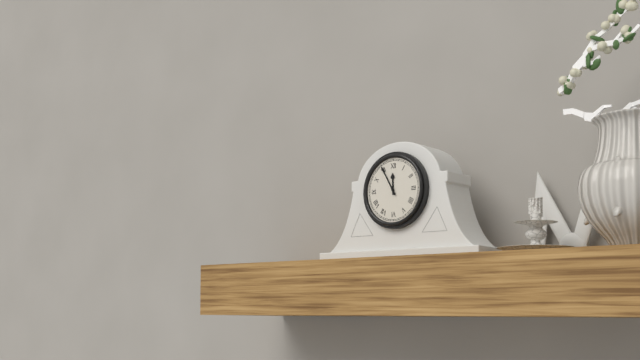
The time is 11,55
